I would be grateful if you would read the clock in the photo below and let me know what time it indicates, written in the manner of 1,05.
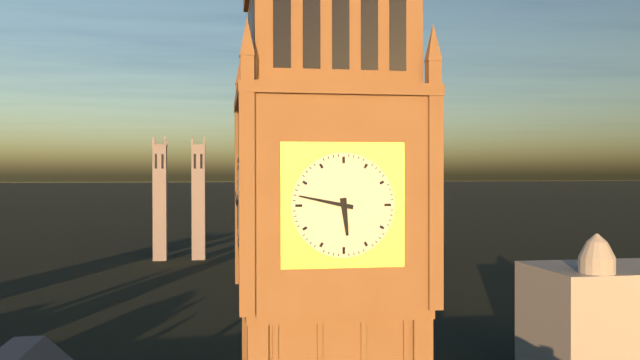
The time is 5,47
